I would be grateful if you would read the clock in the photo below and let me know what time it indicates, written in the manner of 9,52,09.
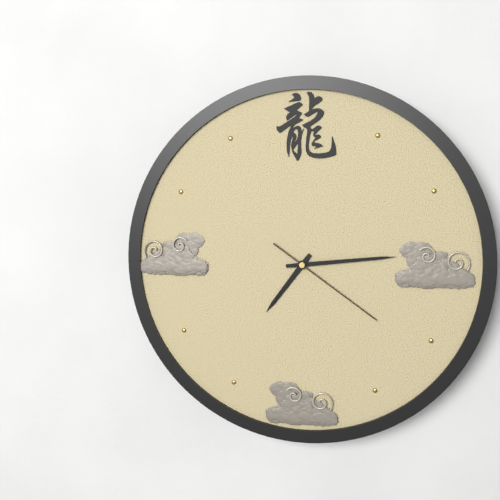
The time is 7,14,21
